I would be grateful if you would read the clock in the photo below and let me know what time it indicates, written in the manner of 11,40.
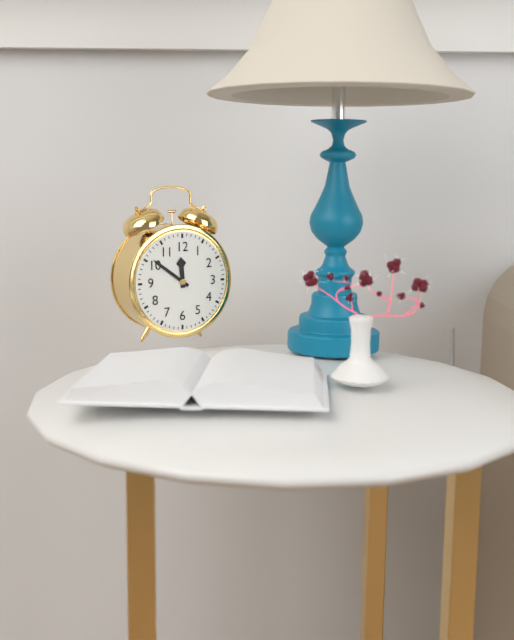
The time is 11,51
